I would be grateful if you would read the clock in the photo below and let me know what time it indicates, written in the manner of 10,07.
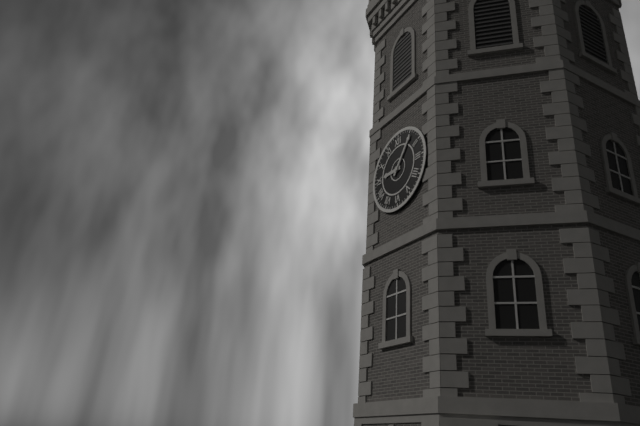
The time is 9,06
